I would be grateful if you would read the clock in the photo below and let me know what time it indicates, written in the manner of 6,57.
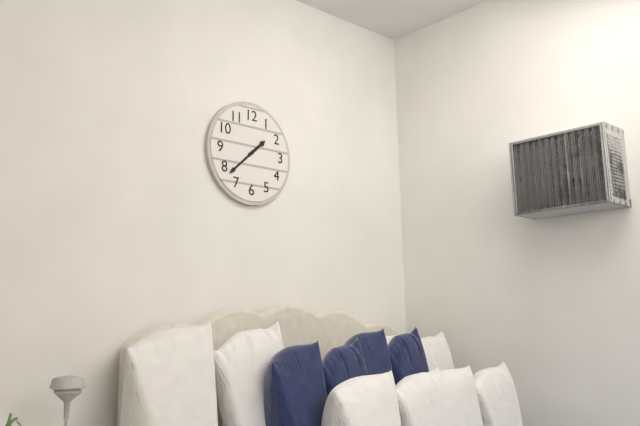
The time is 1,38
